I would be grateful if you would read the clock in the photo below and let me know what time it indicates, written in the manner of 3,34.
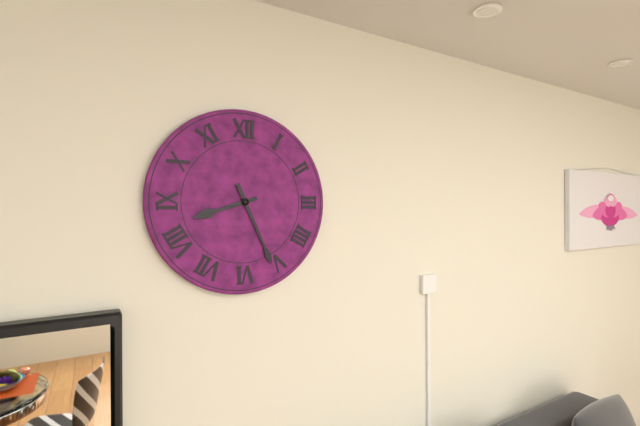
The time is 8,26
